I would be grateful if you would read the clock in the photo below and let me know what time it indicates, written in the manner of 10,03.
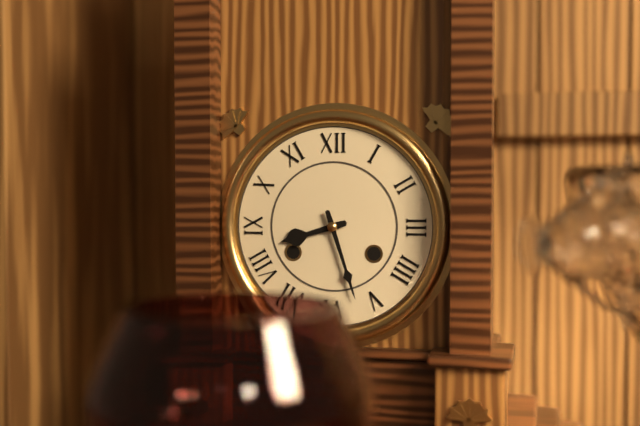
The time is 8,27
